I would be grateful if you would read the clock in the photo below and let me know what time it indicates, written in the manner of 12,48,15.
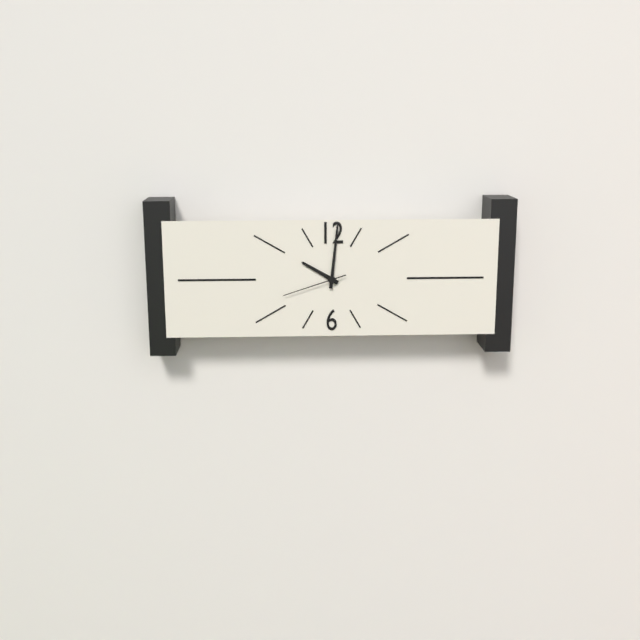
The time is 10,01,42
